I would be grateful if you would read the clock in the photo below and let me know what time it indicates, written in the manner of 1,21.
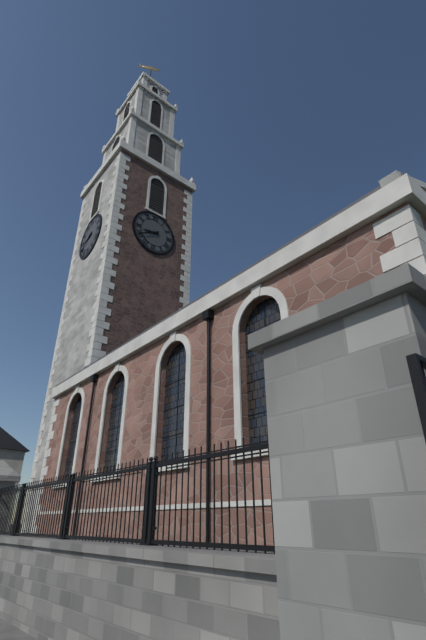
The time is 8,40
